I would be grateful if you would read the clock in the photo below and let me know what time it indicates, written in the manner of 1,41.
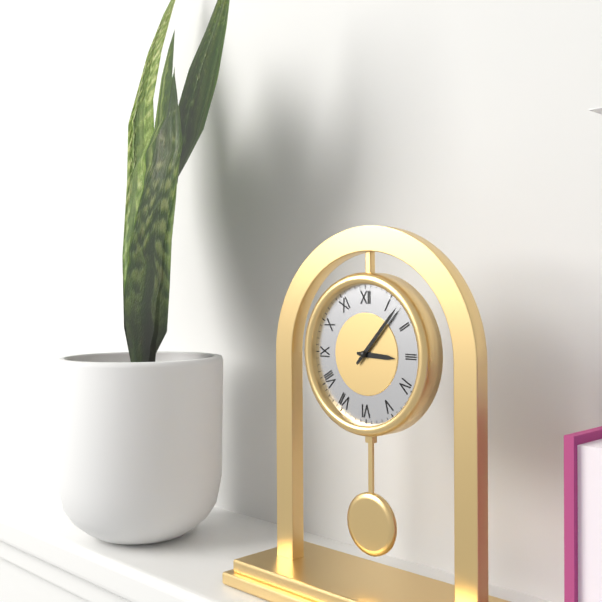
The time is 3,07
